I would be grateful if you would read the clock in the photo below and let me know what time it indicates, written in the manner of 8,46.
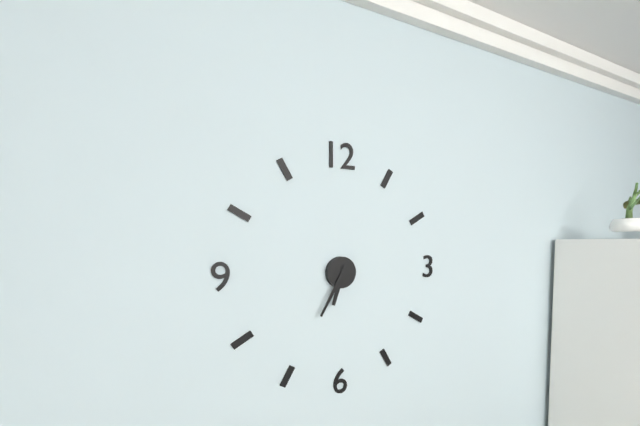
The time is 6,35
